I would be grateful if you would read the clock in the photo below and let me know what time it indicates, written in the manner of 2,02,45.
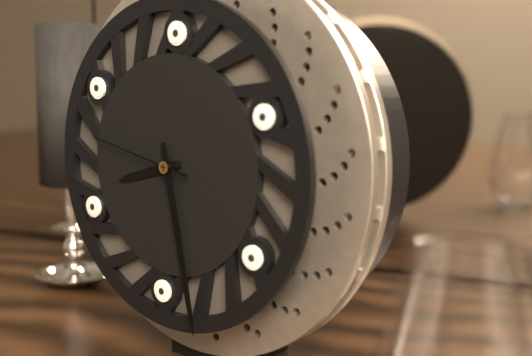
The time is 8,28,47
